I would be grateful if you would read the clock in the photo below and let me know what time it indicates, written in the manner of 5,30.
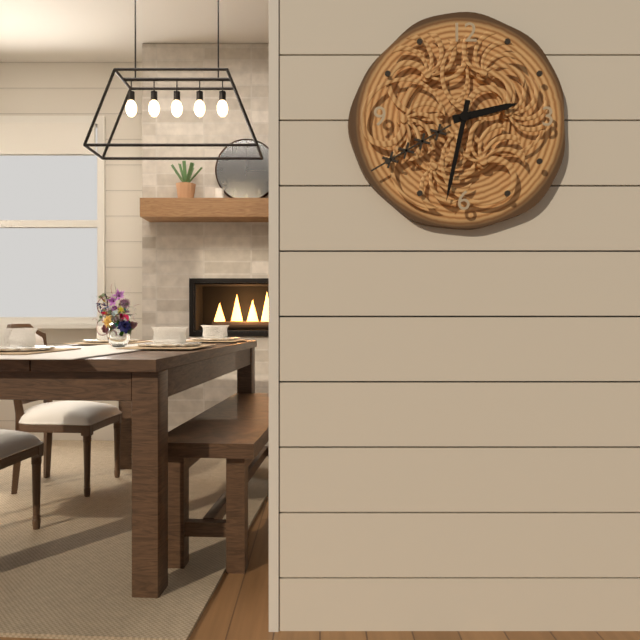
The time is 2,32
